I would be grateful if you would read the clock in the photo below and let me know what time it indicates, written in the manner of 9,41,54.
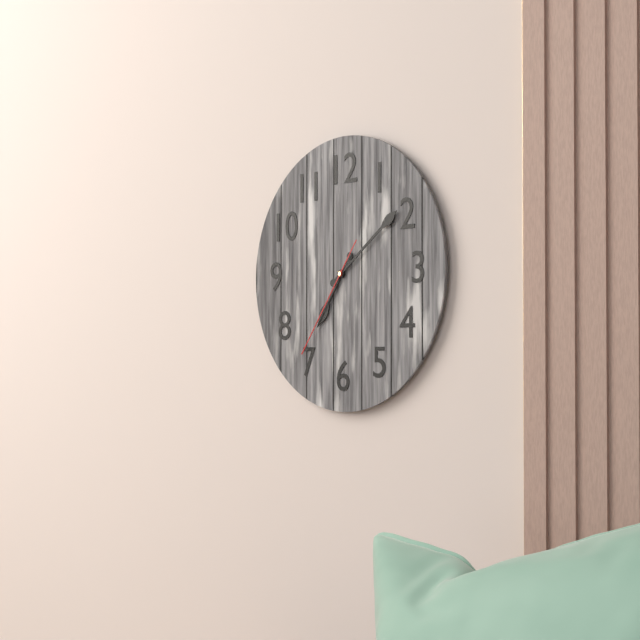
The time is 7,09,36
